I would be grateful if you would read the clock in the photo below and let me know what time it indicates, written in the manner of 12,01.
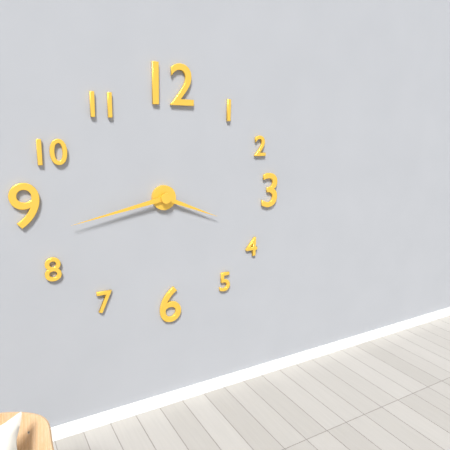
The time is 3,43
